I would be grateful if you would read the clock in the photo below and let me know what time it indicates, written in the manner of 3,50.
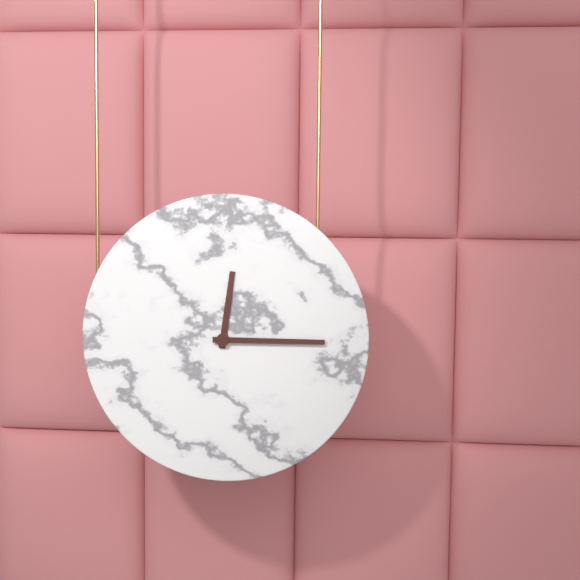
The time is 12,15
